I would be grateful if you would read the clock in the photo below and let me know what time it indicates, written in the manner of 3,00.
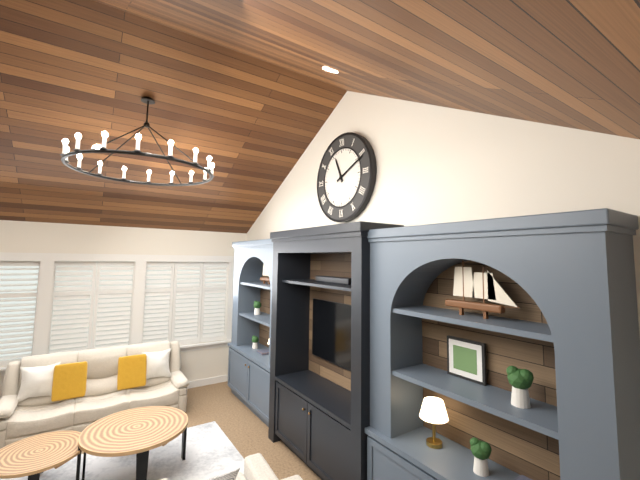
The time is 11,11
